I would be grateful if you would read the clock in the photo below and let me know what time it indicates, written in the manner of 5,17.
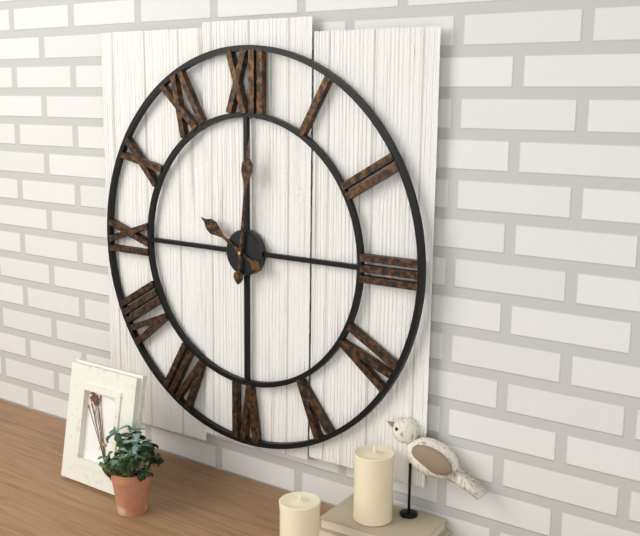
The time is 10,01
